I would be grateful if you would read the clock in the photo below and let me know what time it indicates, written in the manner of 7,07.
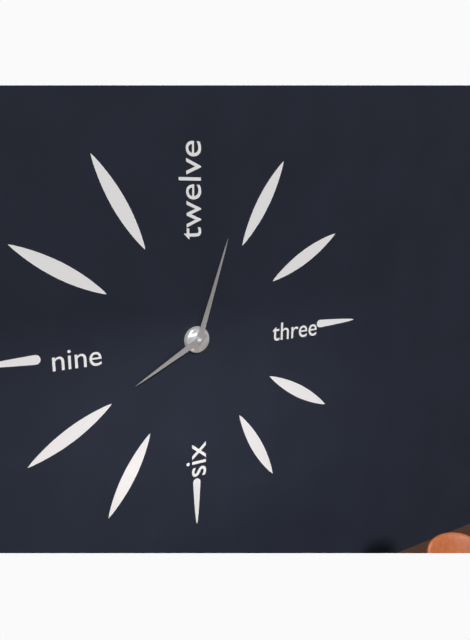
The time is 8,03
